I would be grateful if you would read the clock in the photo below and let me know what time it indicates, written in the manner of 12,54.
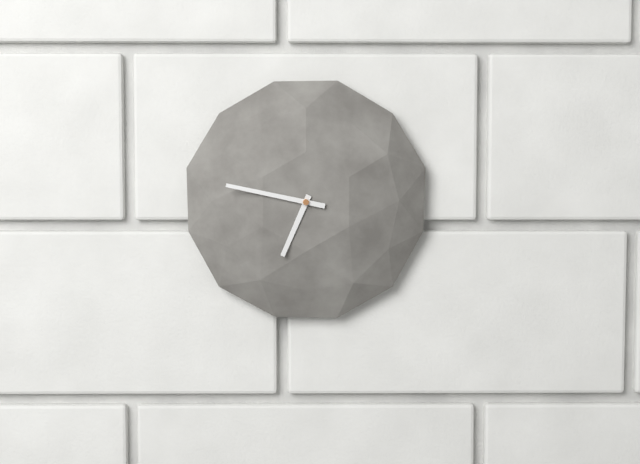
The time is 6,47
